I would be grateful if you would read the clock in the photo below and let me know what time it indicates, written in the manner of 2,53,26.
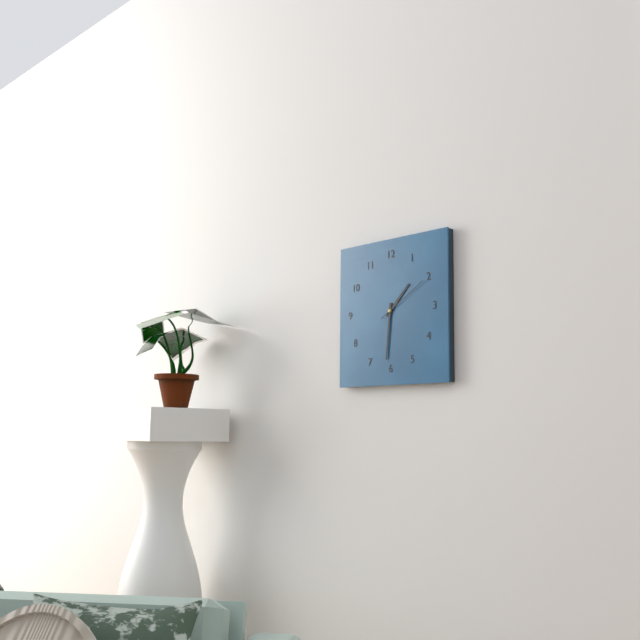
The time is 1,31,10
